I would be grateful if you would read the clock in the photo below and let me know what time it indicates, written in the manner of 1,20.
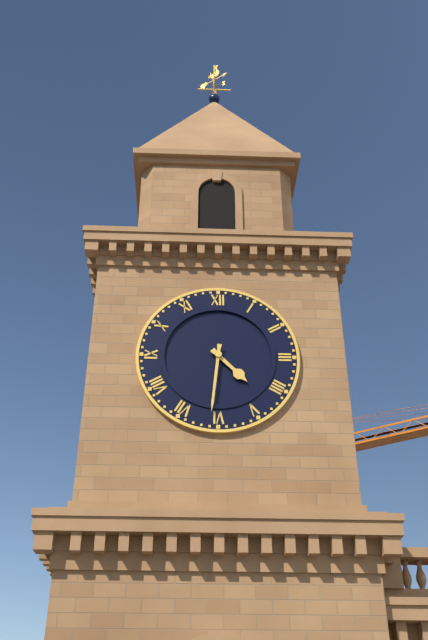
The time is 4,31
